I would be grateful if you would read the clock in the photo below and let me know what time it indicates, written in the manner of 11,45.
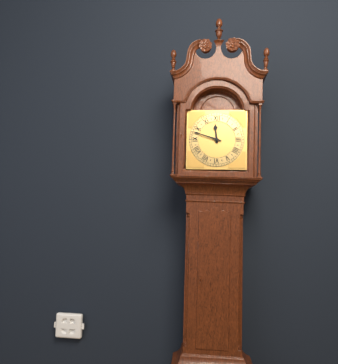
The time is 11,48
